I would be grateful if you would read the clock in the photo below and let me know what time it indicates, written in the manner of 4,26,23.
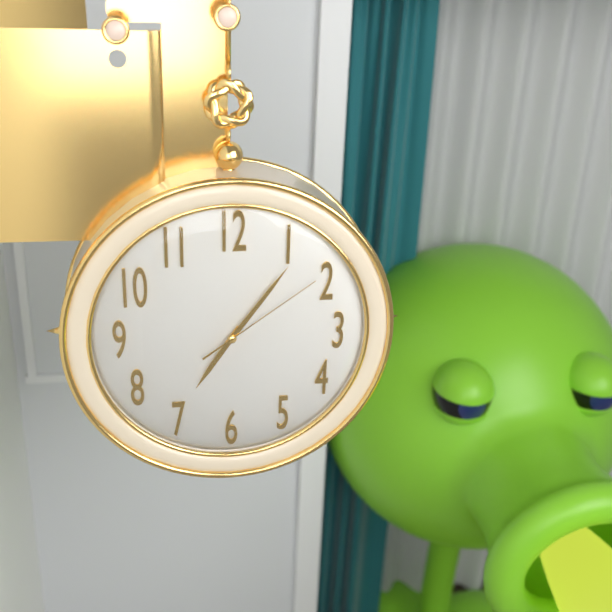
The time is 7,06,09
